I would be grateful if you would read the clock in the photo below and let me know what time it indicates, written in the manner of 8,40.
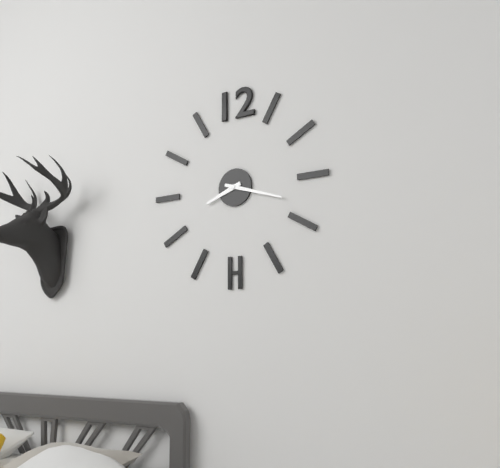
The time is 8,18
